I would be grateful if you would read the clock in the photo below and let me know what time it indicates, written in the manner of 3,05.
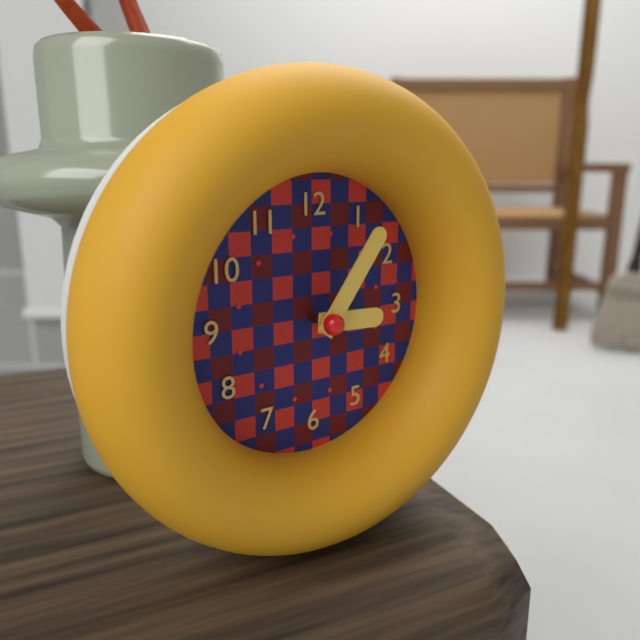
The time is 3,06
